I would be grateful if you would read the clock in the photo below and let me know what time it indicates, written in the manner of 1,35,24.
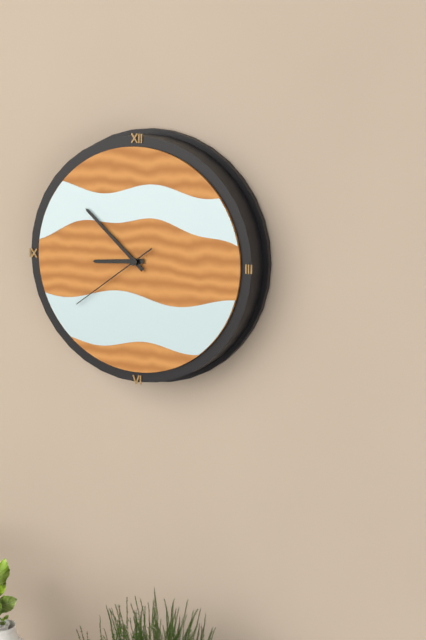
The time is 8,52,39
